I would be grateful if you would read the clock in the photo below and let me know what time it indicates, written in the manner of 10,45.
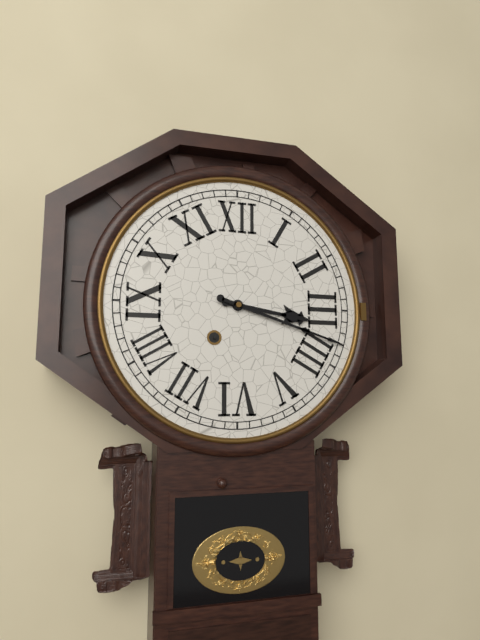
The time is 3,18
